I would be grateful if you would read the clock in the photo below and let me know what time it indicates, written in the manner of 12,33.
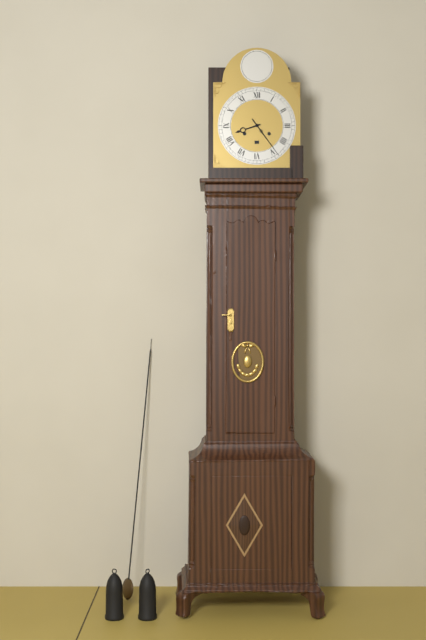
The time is 8,24
